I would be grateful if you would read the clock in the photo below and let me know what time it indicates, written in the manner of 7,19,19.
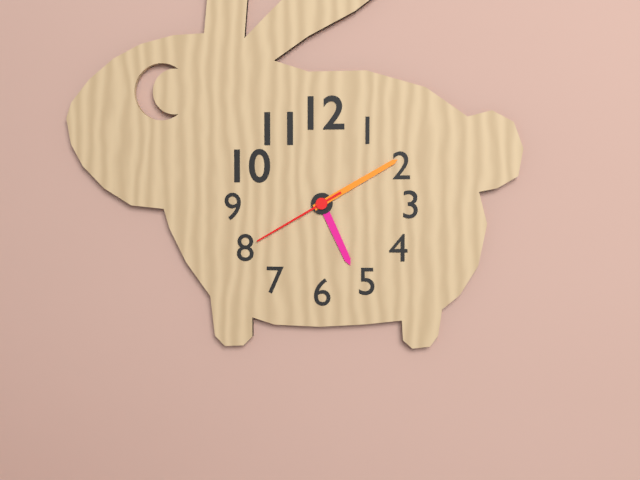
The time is 5,10,40
